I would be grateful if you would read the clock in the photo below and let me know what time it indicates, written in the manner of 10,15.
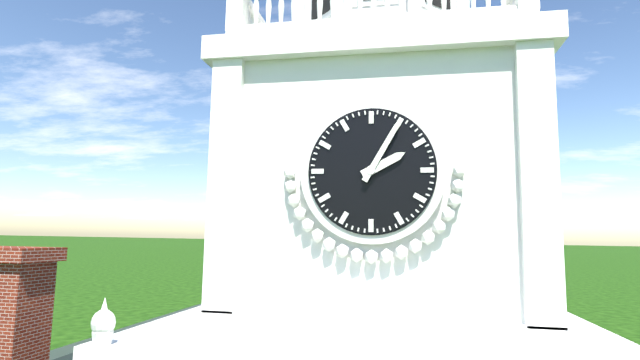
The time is 2,05
